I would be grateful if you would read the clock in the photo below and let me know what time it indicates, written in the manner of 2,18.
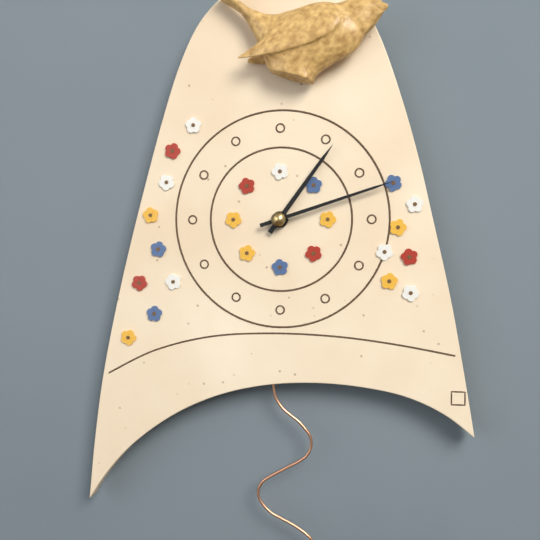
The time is 1,12
